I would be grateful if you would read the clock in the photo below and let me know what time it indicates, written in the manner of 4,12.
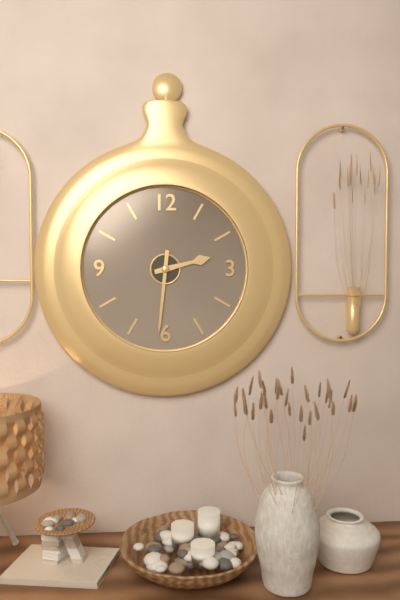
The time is 2,31
